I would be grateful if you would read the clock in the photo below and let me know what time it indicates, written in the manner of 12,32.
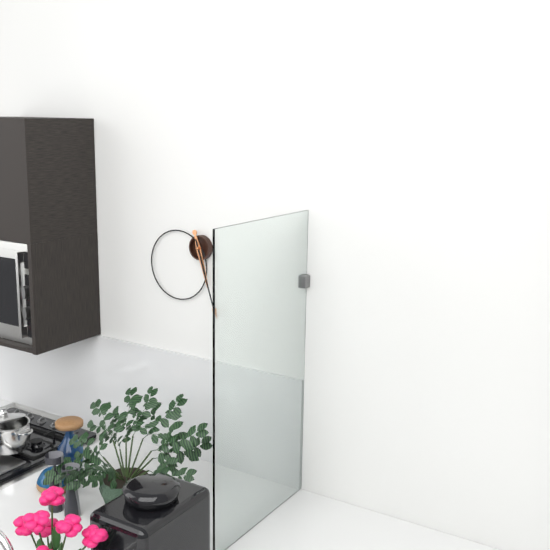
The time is 5,27
